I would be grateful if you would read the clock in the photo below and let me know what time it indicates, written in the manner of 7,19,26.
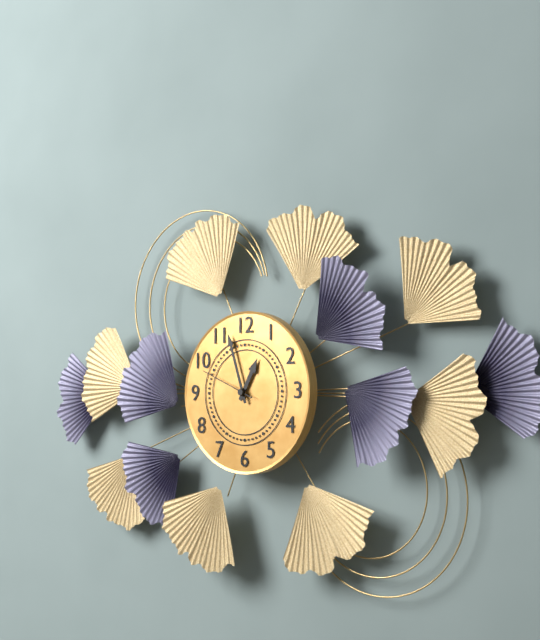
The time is 12,57,49
